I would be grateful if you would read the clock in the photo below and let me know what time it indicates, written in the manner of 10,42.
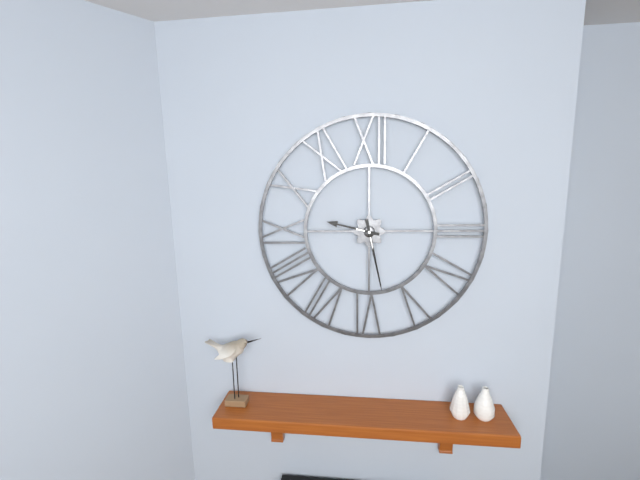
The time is 9,28
